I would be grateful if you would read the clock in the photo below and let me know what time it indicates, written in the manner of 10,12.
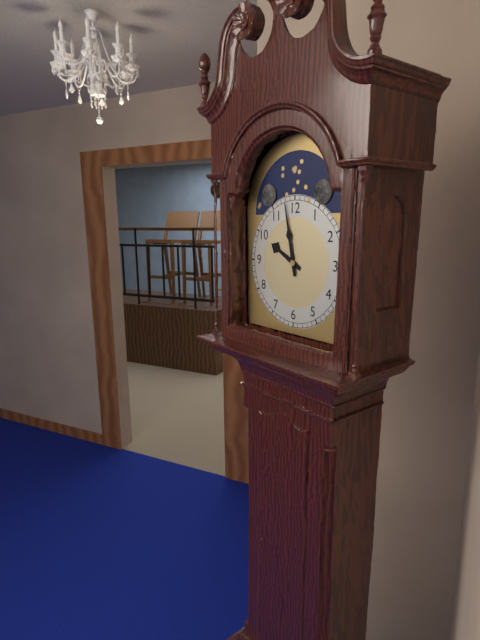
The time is 9,58
